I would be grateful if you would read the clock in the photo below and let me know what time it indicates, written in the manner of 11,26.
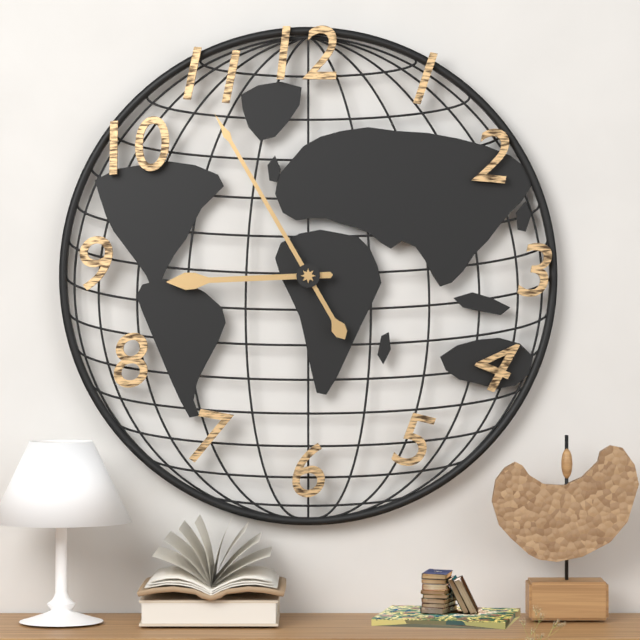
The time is 8,55
